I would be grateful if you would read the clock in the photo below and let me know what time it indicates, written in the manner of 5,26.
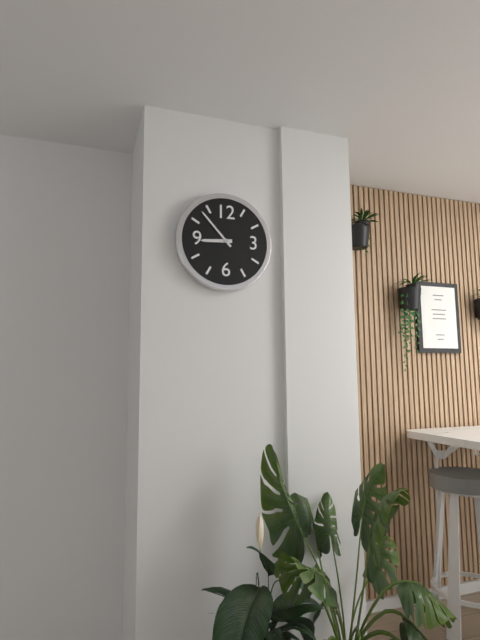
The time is 8,53
